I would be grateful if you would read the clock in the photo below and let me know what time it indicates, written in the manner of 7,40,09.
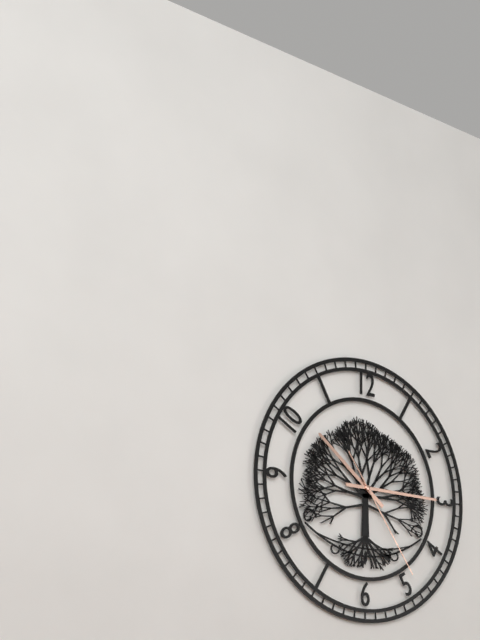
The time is 10,15,24
